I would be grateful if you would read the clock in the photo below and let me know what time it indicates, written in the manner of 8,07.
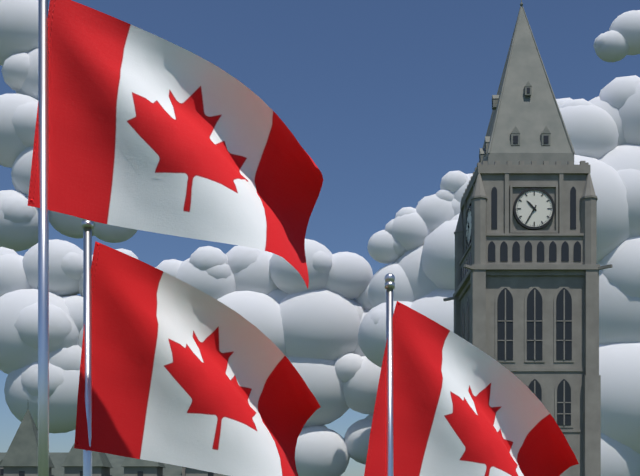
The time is 10,35
